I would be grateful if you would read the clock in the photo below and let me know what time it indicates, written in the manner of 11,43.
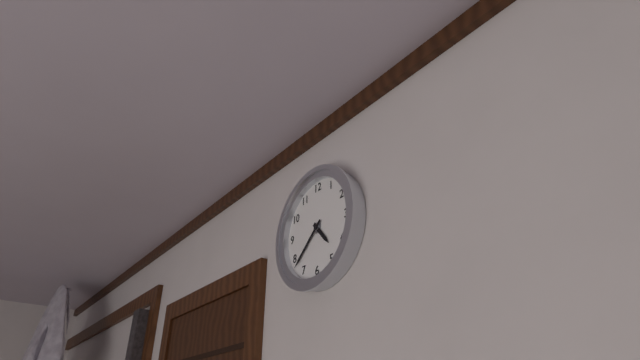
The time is 4,38
